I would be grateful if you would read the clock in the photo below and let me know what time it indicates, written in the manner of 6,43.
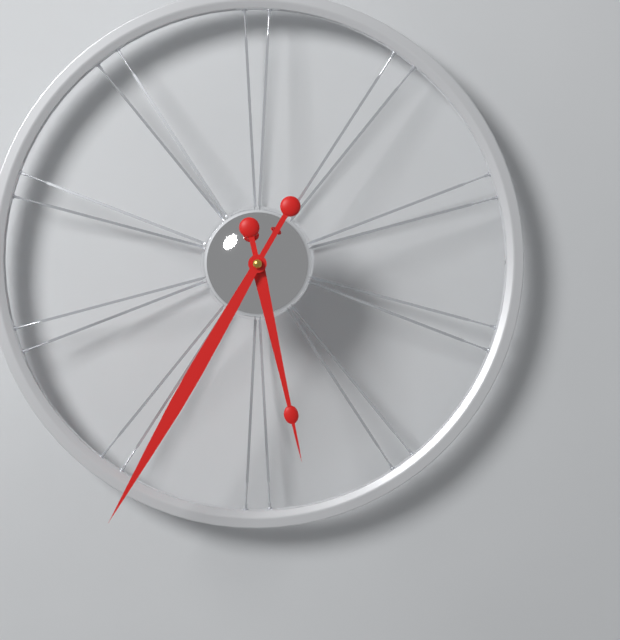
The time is 5,35
